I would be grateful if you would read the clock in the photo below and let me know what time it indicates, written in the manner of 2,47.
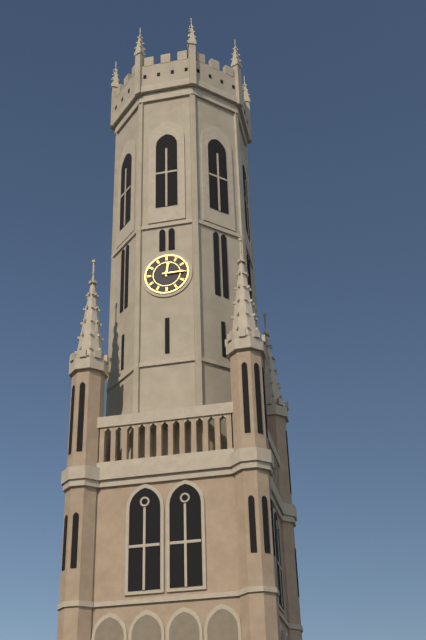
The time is 12,15
